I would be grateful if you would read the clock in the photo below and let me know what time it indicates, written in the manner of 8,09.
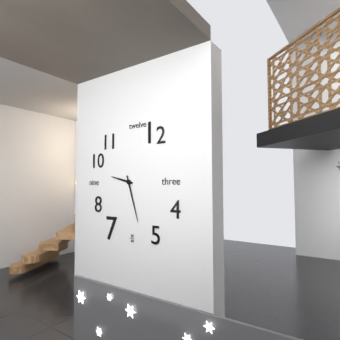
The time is 9,27
